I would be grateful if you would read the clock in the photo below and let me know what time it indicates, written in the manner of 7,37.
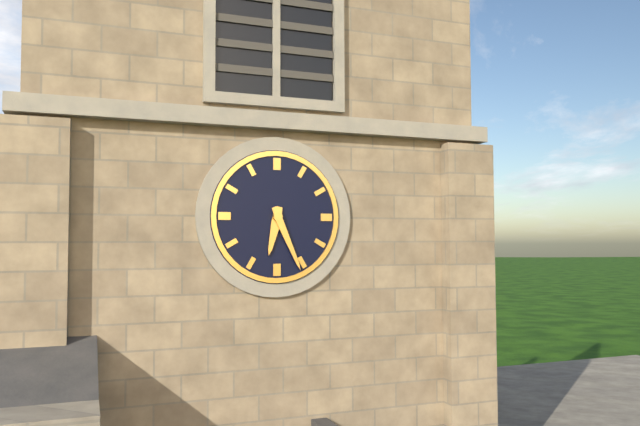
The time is 6,26
